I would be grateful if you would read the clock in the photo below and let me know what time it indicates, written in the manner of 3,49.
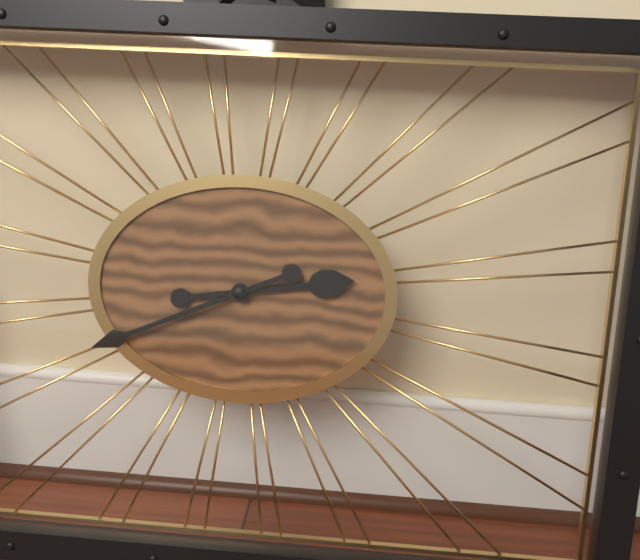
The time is 2,41
